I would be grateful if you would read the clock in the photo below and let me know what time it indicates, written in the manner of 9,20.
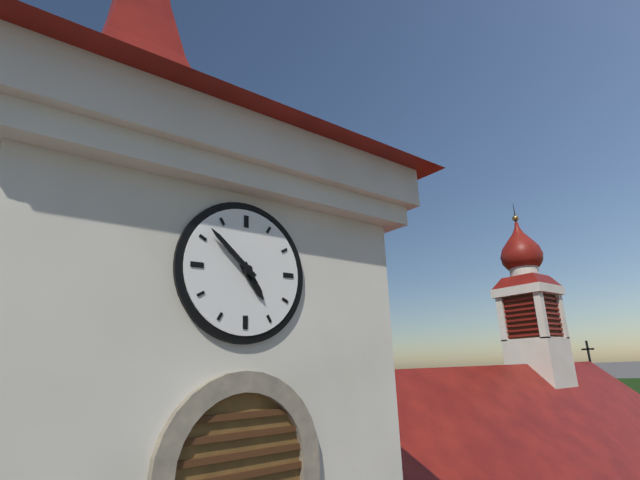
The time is 4,52
